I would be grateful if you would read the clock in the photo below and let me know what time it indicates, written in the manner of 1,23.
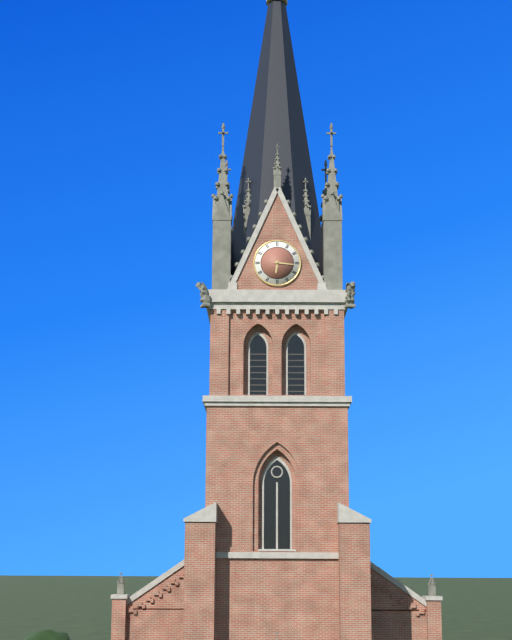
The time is 6,16
